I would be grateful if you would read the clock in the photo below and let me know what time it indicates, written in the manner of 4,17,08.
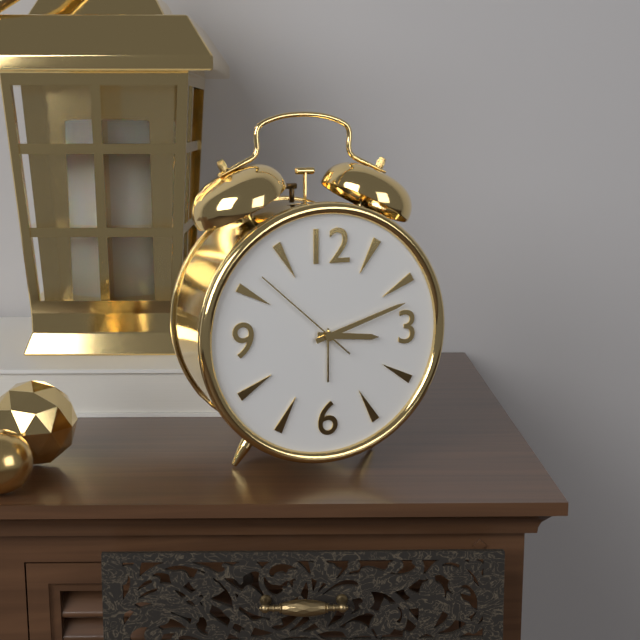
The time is 3,12,52
